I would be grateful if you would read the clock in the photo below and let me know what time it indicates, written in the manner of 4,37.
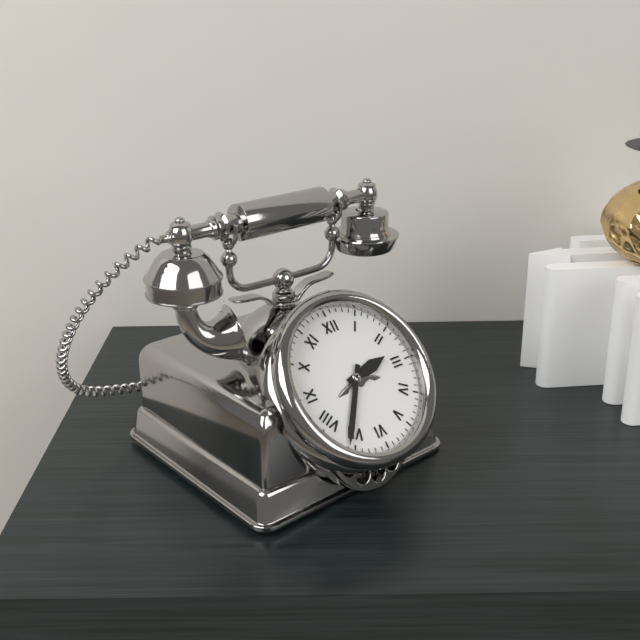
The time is 2,36
